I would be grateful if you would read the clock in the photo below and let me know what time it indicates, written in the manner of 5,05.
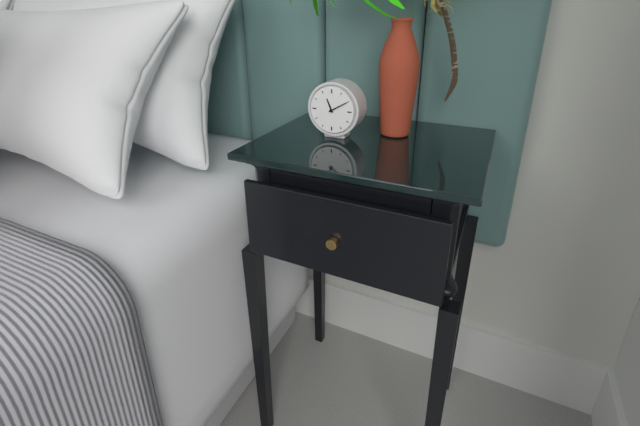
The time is 11,10
